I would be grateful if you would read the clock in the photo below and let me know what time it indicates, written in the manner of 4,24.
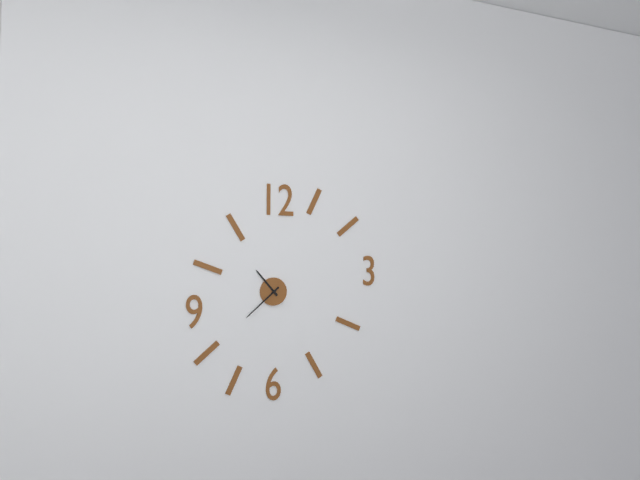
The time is 10,38
